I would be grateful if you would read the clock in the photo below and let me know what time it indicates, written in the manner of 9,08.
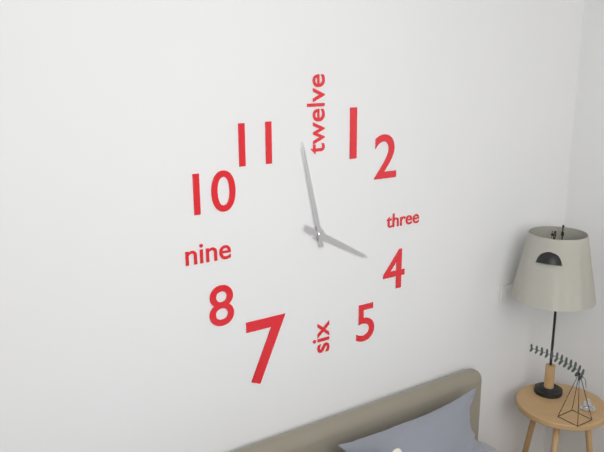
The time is 3,58
